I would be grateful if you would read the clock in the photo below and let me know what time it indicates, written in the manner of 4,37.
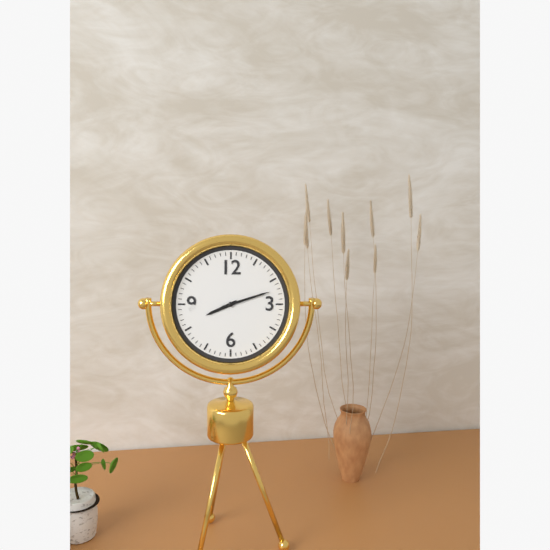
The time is 8,12
